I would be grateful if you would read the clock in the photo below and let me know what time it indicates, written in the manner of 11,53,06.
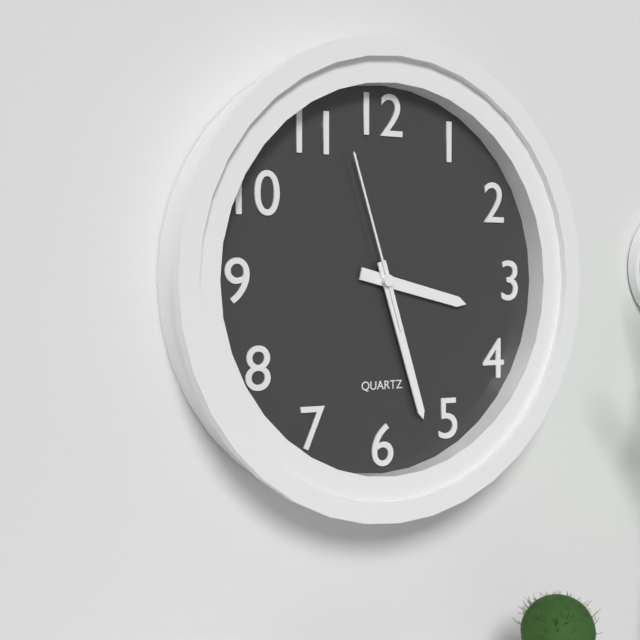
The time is 3,27,57
